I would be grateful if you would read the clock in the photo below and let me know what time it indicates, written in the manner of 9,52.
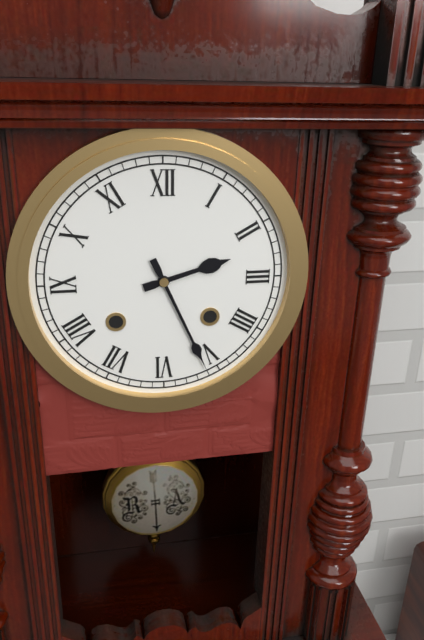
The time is 2,26
